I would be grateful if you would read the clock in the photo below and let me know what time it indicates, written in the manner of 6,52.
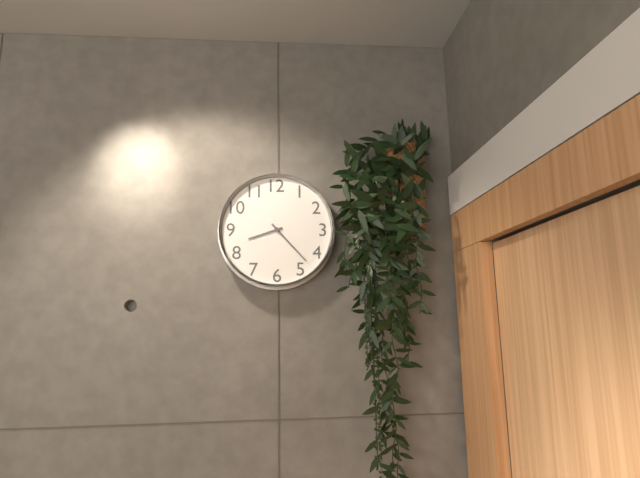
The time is 8,23
